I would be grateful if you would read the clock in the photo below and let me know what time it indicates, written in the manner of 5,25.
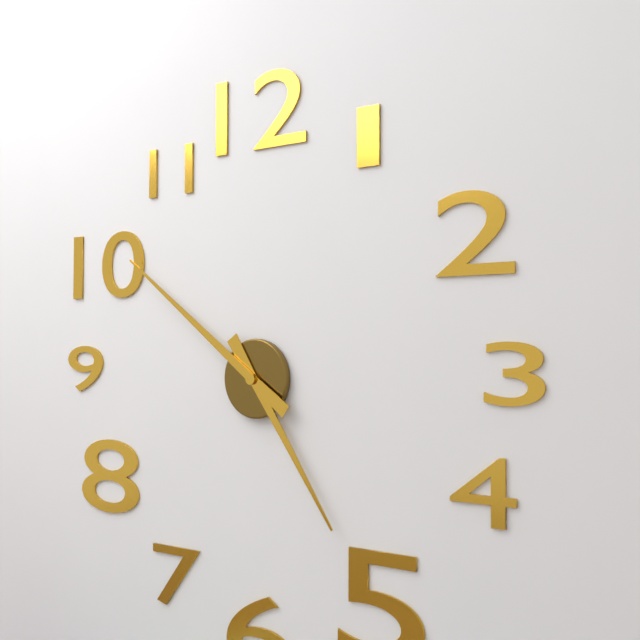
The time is 4,51
